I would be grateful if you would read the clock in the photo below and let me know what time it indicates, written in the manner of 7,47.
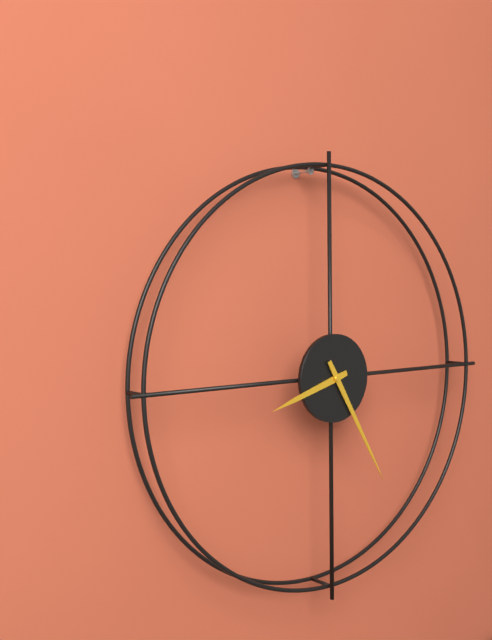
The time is 8,25
